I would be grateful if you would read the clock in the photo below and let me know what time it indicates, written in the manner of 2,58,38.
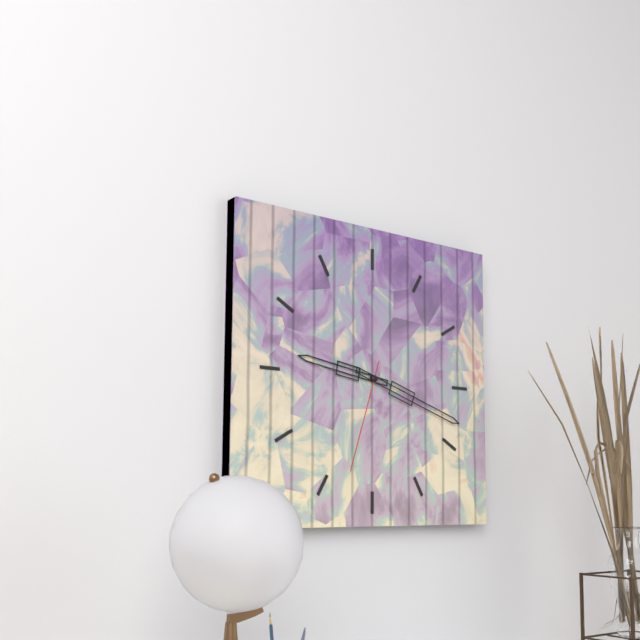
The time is 9,18,33
